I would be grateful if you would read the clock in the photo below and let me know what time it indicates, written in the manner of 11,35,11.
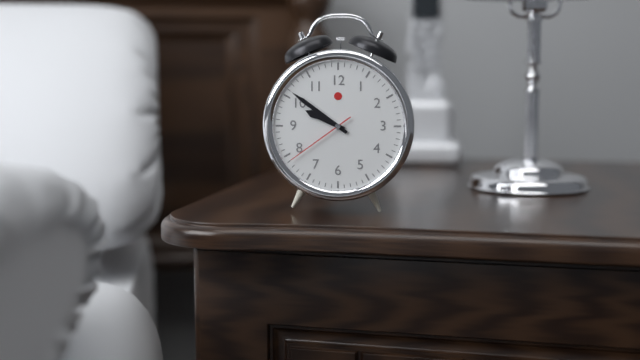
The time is 9,51,39
